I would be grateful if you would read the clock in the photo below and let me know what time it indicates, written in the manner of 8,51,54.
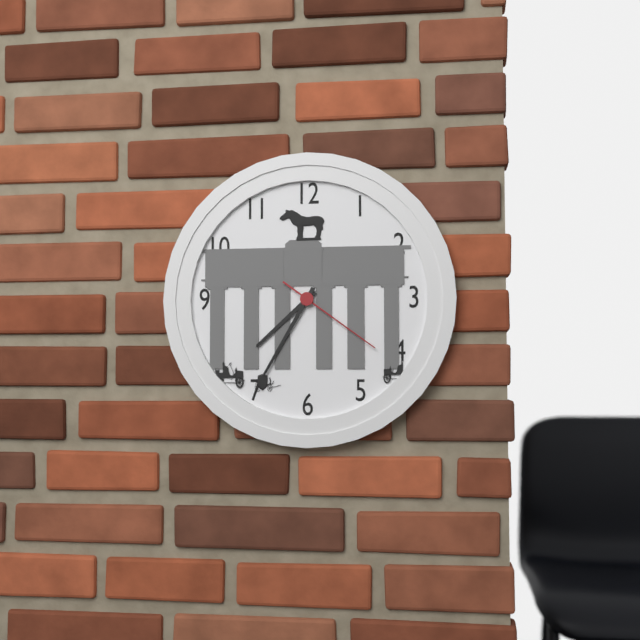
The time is 7,35,21
